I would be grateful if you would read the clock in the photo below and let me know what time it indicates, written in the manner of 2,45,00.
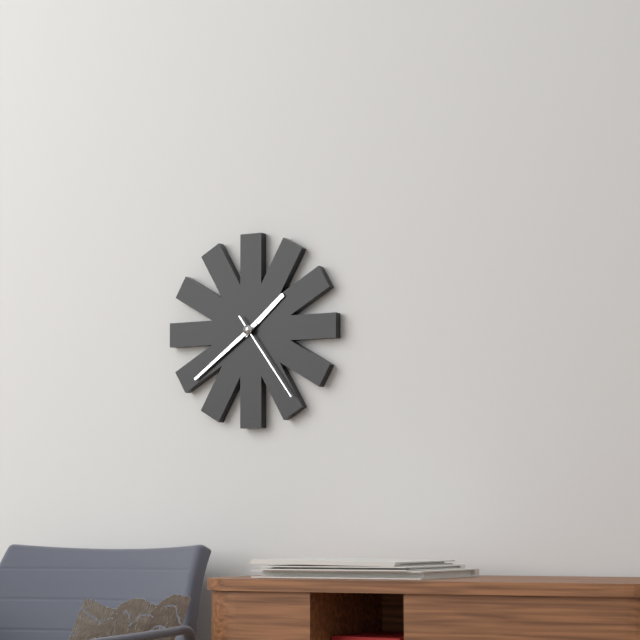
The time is 1,39,24
